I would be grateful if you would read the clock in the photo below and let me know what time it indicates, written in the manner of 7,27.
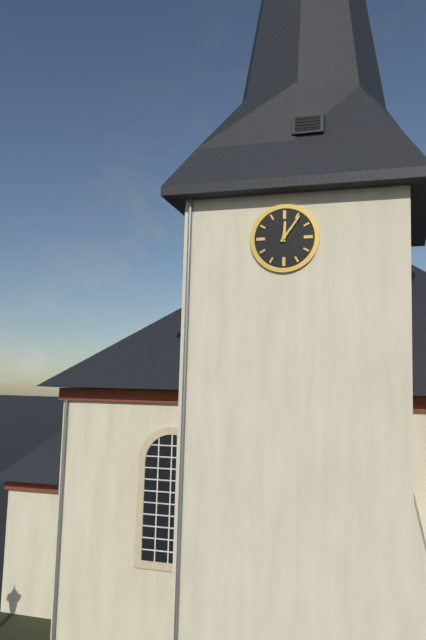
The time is 12,06
